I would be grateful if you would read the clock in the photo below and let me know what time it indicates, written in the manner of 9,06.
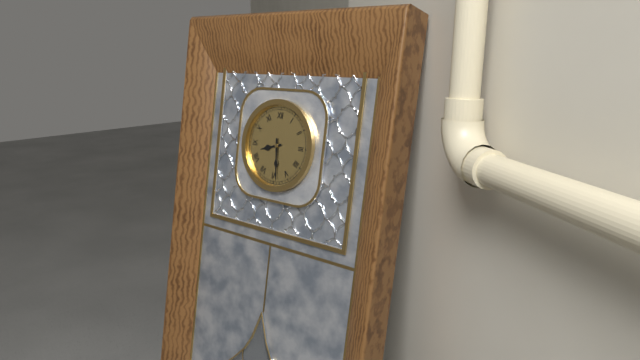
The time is 8,29
